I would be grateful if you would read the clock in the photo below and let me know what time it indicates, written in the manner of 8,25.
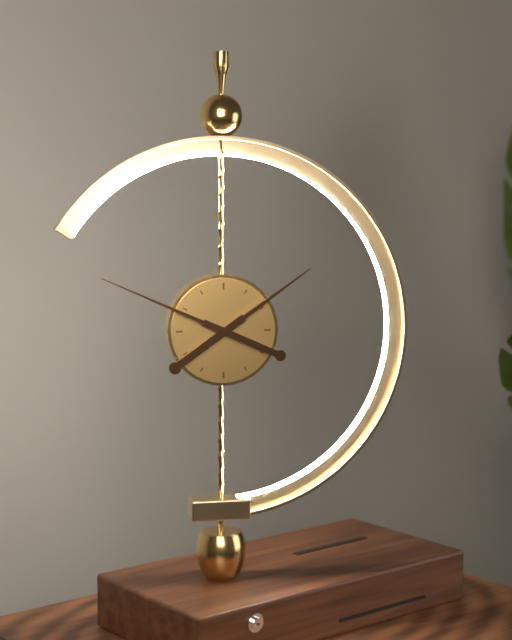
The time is 1,49
